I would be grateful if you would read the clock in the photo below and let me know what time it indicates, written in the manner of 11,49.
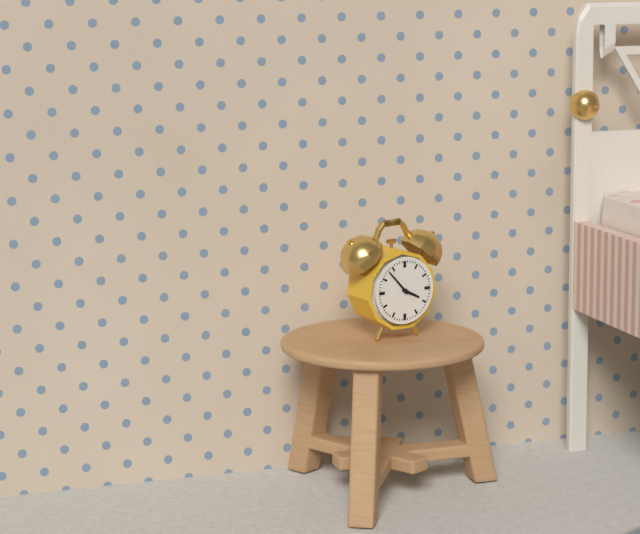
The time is 3,53
